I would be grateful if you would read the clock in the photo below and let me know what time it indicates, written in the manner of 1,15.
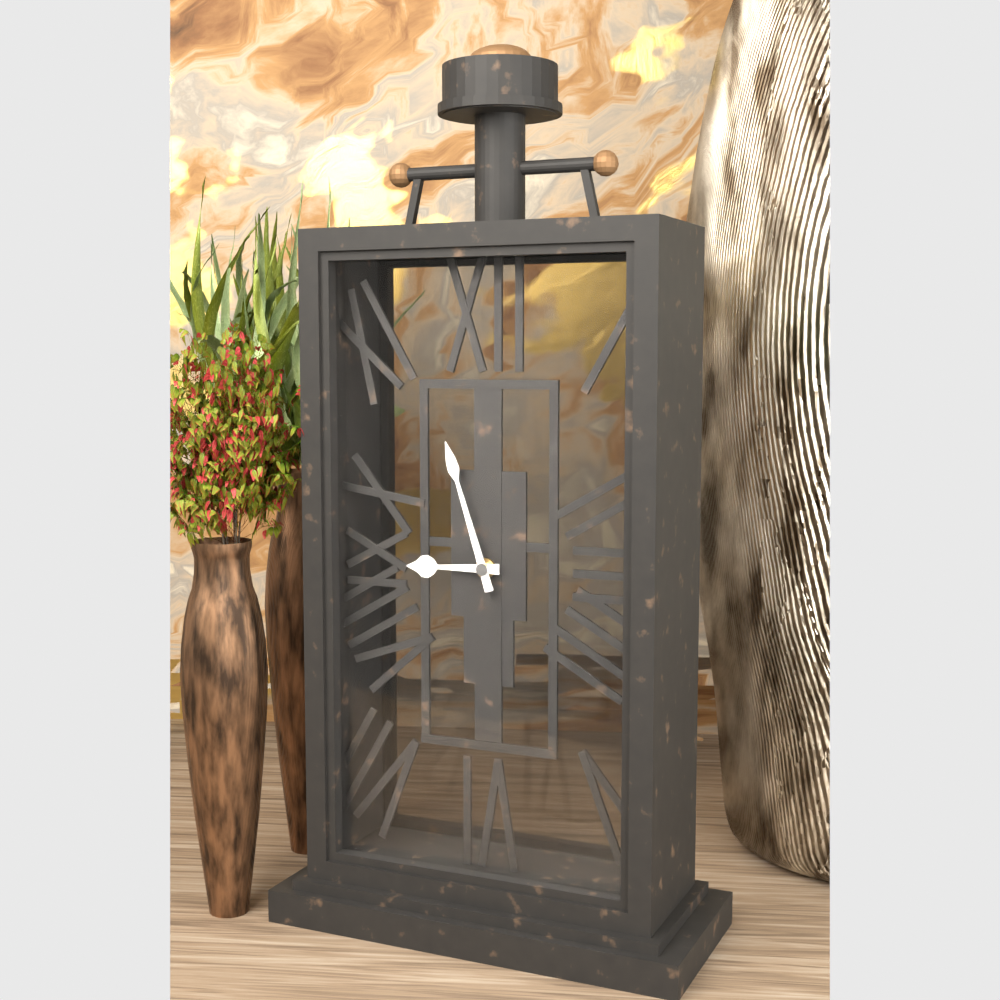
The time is 8,57
